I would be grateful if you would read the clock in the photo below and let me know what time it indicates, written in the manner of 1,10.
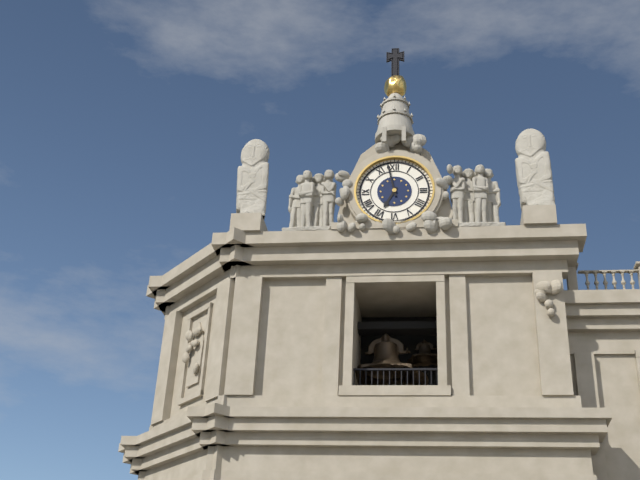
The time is 6,58
